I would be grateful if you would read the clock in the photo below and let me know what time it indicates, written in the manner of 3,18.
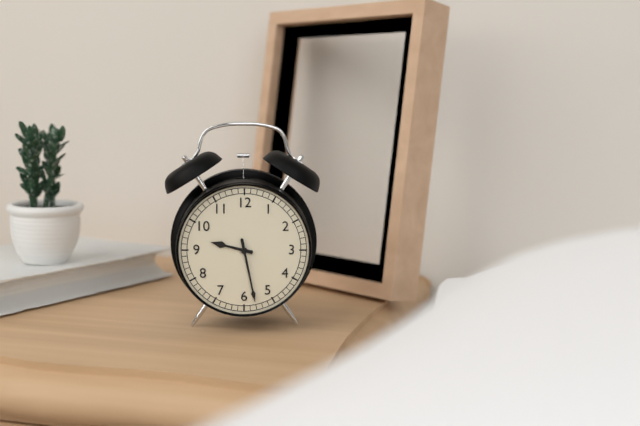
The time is 9,28
